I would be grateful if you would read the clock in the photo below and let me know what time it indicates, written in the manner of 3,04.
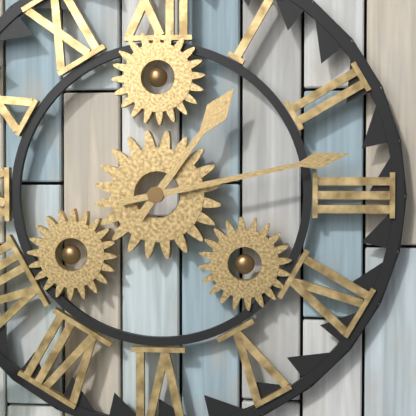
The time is 1,13
